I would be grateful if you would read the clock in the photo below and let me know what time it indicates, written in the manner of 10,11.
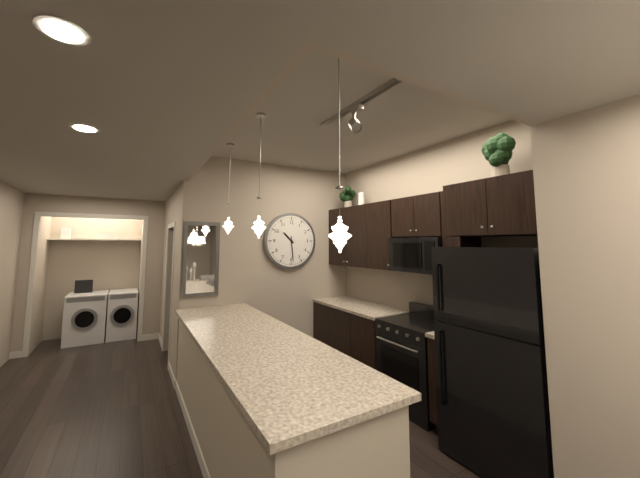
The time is 10,29
